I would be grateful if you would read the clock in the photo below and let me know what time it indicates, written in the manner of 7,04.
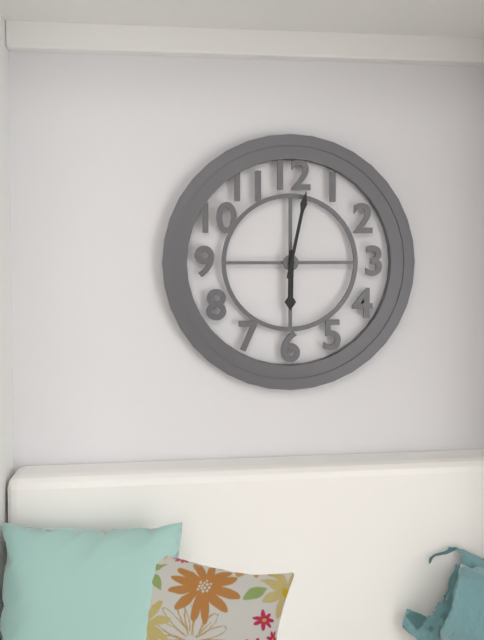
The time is 6,02
